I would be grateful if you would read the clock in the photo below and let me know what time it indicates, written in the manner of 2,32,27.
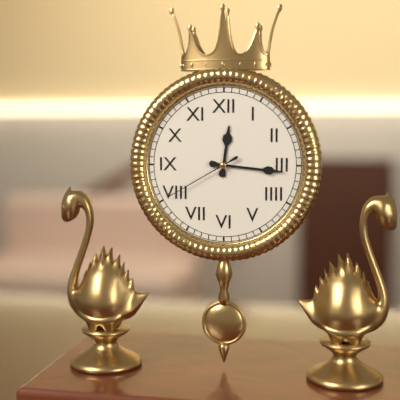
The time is 12,16,40
